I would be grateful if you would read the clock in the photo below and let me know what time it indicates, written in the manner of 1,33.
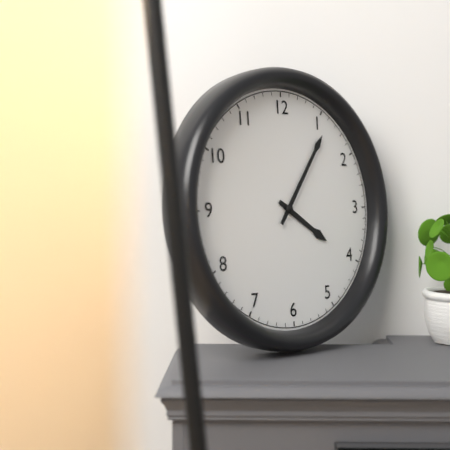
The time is 4,06
